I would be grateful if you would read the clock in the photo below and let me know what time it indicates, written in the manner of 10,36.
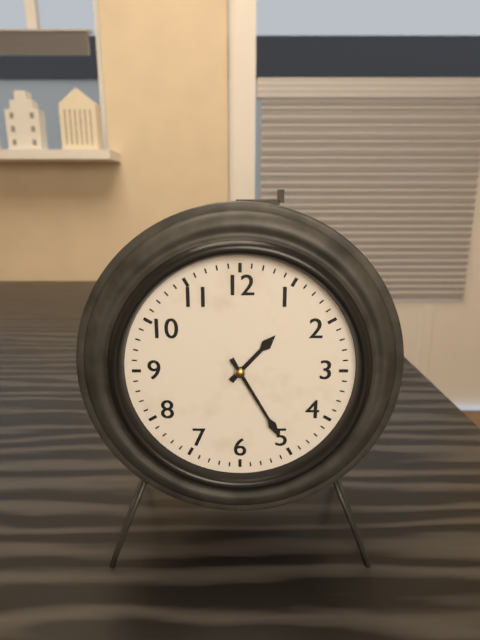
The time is 1,25
